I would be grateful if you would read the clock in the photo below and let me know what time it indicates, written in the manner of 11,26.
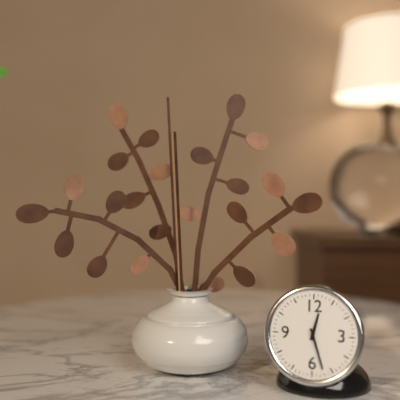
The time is 12,27
